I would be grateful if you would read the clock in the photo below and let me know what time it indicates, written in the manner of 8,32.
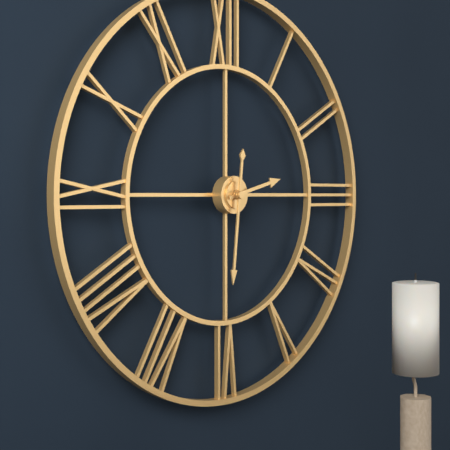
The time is 2,31
